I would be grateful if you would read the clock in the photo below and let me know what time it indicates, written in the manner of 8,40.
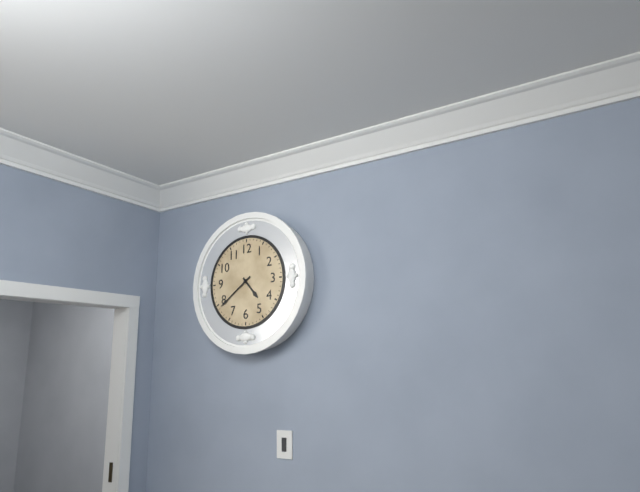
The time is 4,39
